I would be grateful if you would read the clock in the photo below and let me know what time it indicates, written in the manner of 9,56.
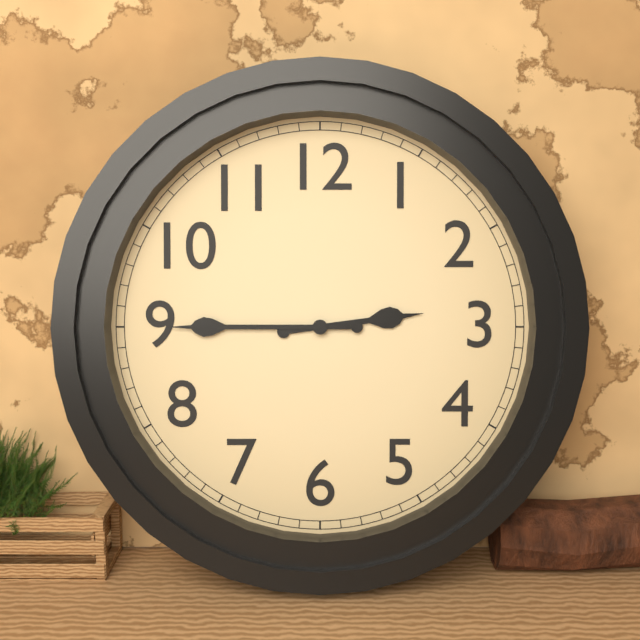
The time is 2,45
